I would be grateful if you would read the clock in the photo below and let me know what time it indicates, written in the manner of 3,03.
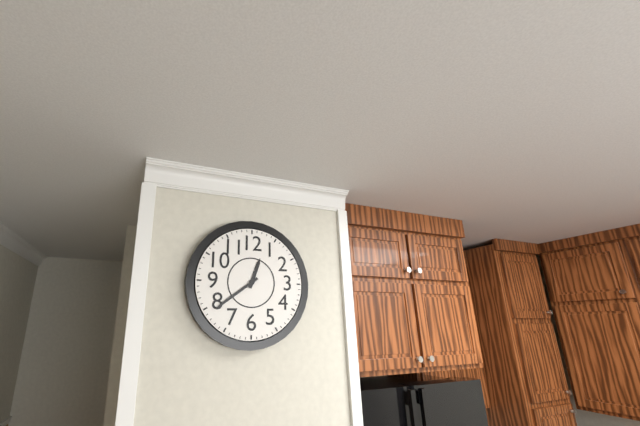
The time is 12,39
